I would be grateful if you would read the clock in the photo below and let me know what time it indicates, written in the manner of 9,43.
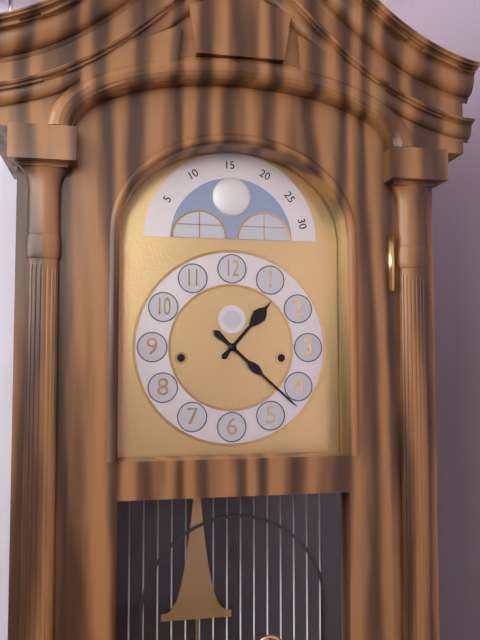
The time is 1,22
